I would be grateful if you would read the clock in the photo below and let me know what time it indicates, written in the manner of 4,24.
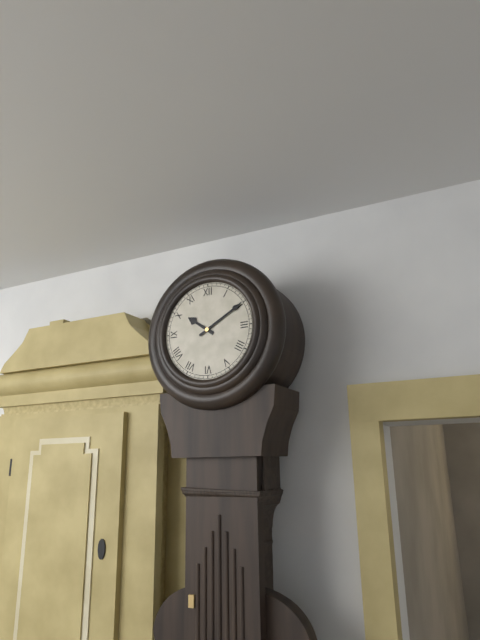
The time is 10,10
